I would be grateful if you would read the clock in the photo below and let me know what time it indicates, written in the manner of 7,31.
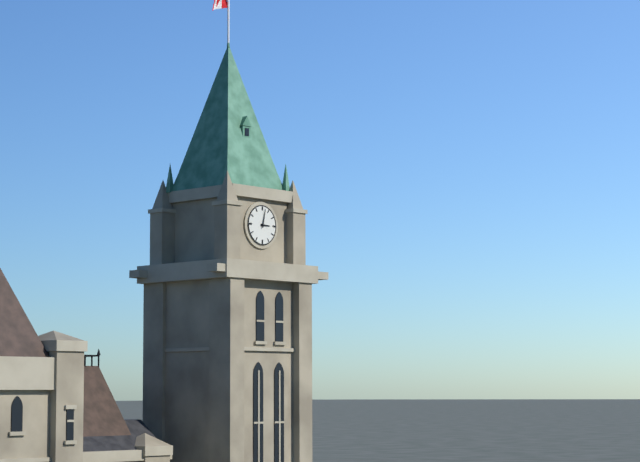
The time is 3,02
